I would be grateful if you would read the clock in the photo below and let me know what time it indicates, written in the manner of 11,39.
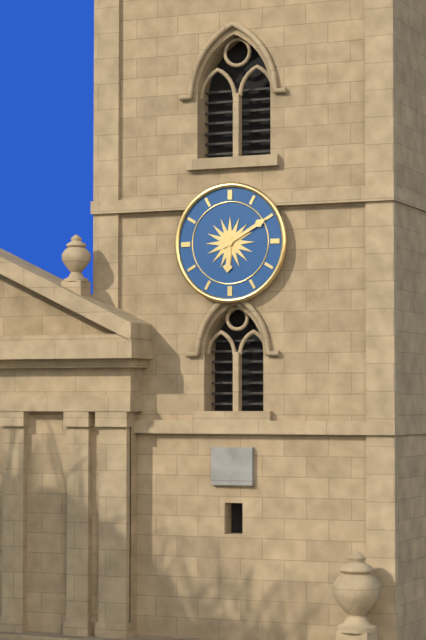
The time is 6,10
